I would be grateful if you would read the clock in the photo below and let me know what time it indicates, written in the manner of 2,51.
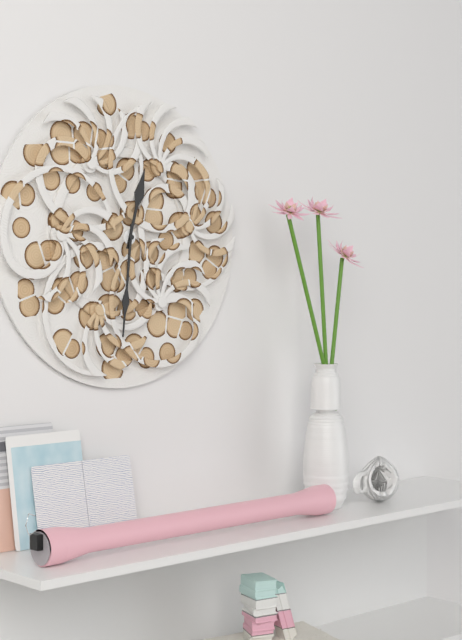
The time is 12,31
